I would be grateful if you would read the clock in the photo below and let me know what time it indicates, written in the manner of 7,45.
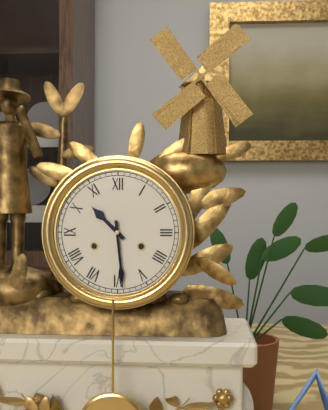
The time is 10,29
